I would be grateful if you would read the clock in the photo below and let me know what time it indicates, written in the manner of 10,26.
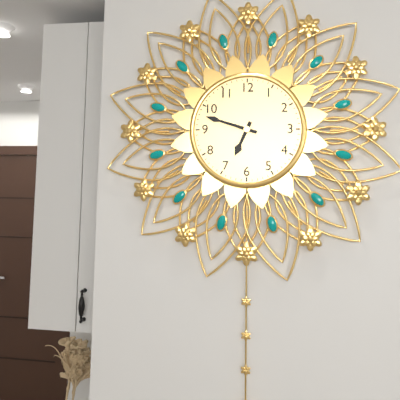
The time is 6,48
